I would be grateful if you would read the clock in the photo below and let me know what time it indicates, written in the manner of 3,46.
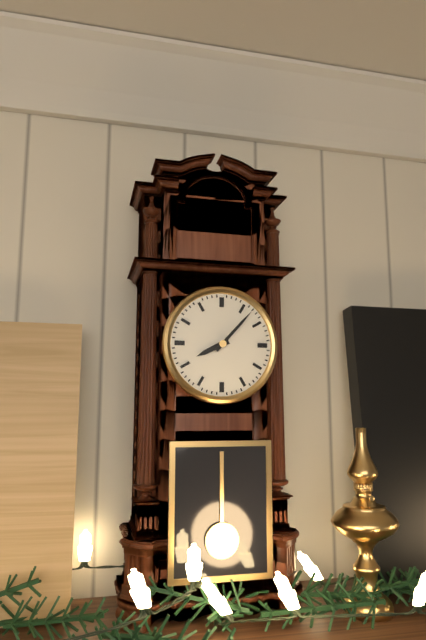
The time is 8,07
